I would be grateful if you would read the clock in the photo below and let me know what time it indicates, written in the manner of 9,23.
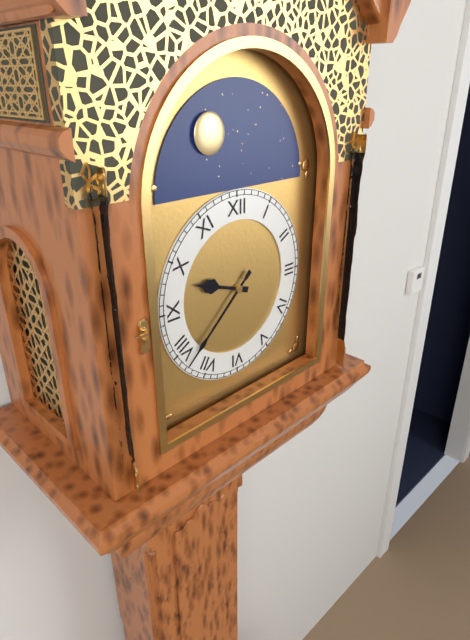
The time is 9,38
